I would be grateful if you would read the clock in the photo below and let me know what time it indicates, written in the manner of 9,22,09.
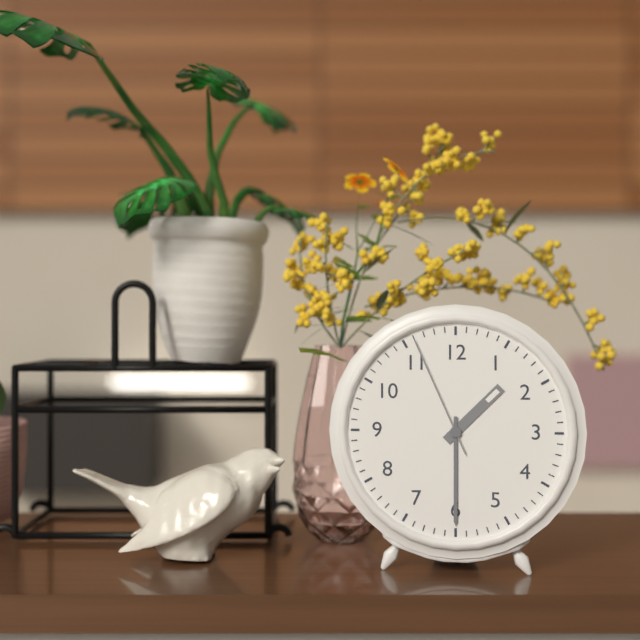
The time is 1,30,56
